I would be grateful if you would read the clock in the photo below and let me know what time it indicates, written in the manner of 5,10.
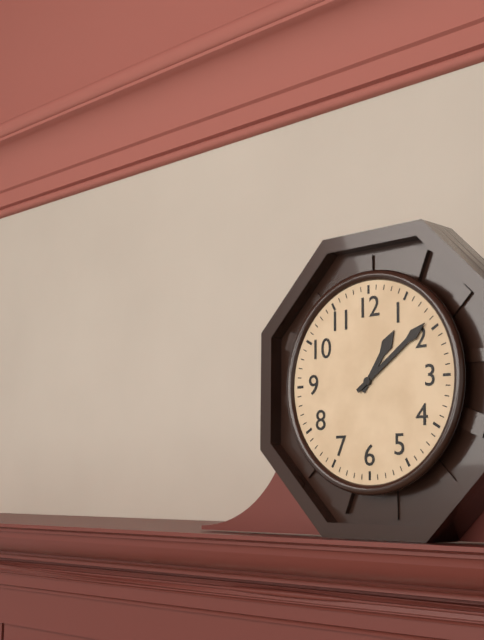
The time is 1,09
